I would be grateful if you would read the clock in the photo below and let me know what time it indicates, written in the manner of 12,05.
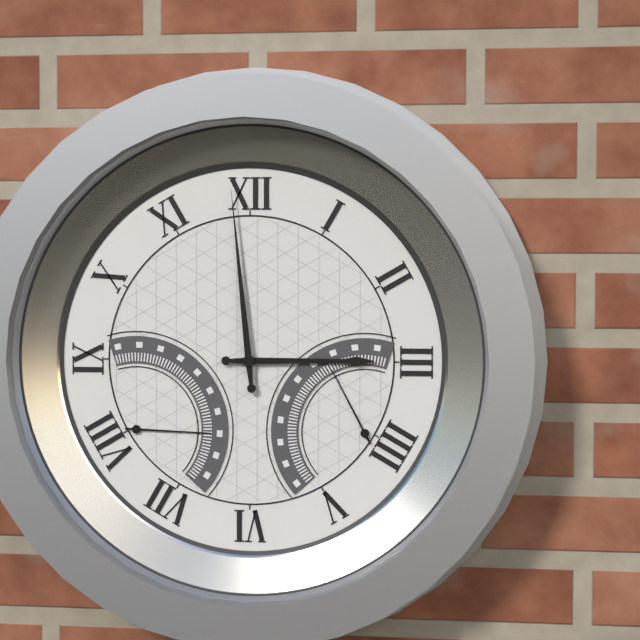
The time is 2,59
